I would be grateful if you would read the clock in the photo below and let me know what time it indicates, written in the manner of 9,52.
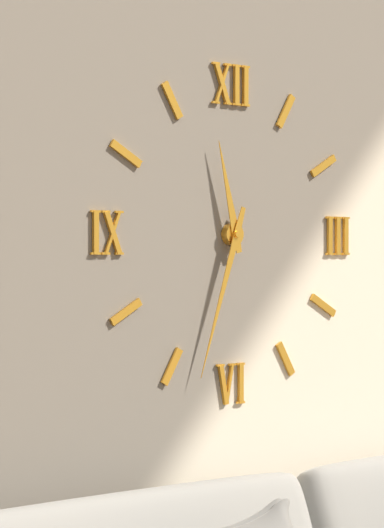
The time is 11,33
